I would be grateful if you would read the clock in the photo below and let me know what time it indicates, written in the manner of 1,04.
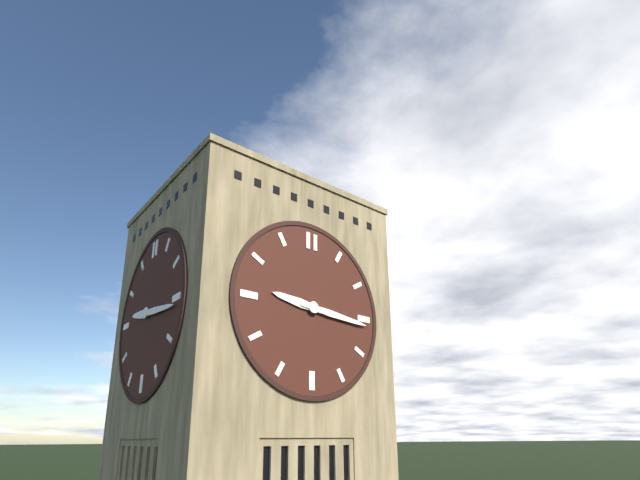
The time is 9,16
